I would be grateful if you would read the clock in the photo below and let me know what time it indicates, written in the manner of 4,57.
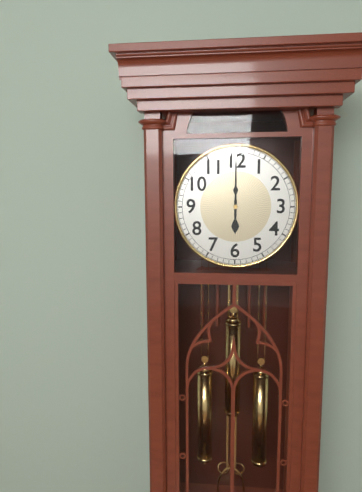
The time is 6,00
